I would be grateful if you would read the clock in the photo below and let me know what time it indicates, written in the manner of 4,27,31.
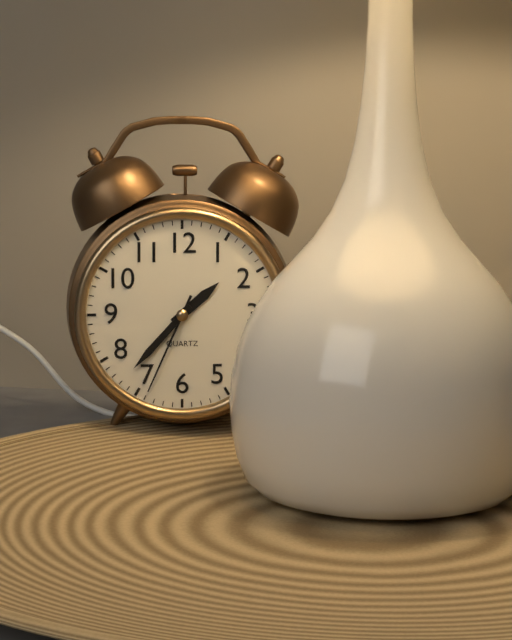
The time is 1,37,34
